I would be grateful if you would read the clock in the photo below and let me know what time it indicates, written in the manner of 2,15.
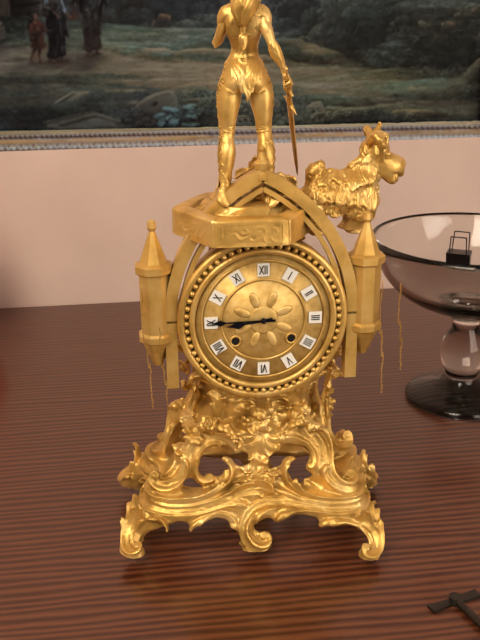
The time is 8,45
